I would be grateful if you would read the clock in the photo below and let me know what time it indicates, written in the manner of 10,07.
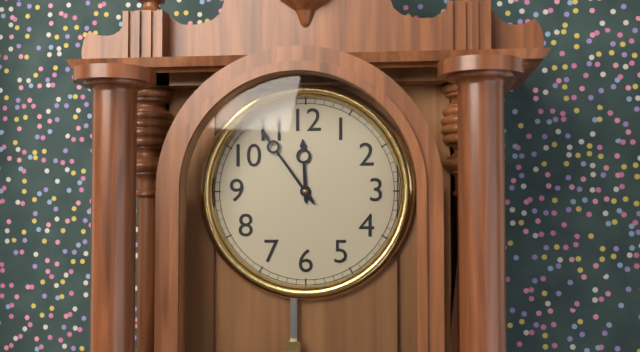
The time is 11,54
